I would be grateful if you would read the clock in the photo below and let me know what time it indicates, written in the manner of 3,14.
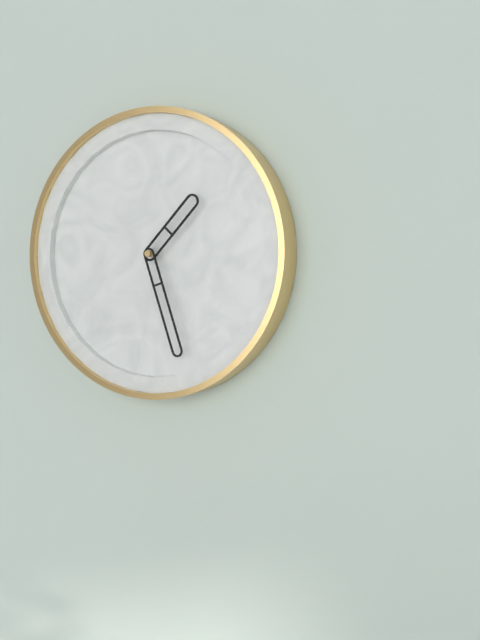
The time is 1,27
